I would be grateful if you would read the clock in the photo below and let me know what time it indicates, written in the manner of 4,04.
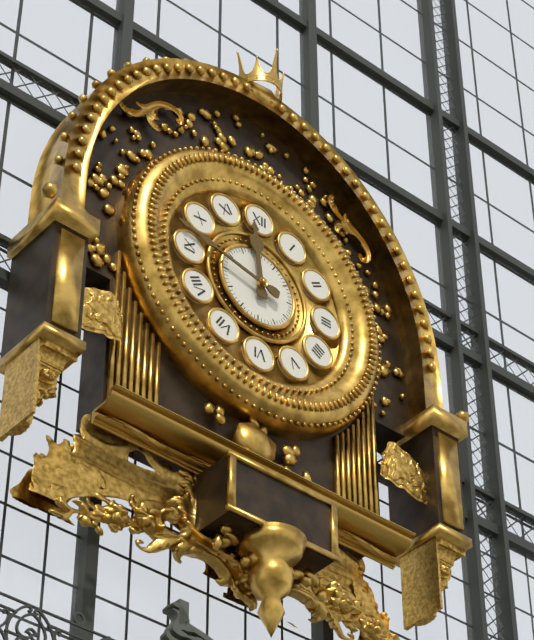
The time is 11,47
